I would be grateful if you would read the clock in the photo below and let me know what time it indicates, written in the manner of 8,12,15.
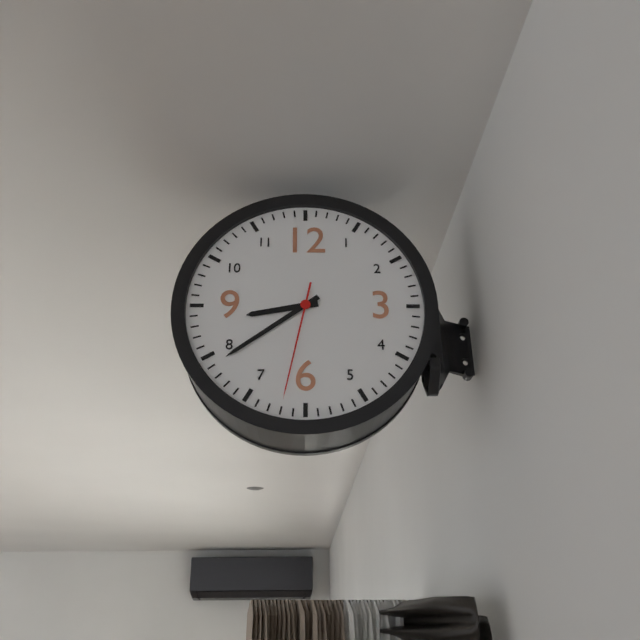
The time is 8,39,32
